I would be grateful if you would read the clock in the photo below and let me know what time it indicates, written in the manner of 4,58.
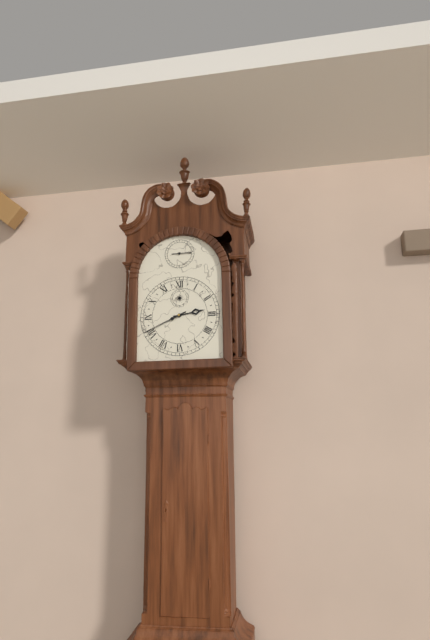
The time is 2,41
